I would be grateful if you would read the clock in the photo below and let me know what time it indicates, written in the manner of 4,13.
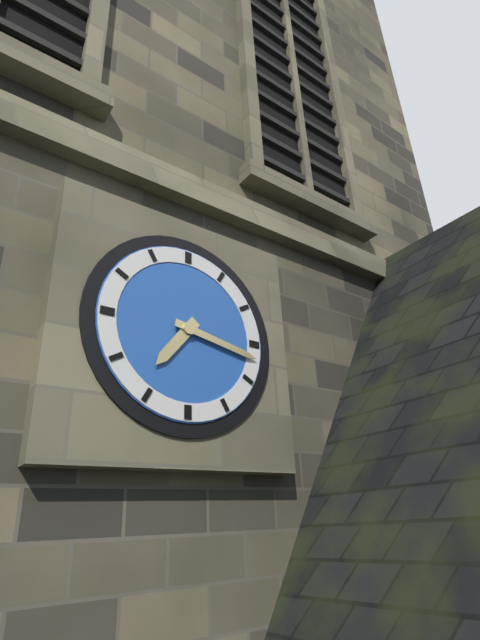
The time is 7,17
